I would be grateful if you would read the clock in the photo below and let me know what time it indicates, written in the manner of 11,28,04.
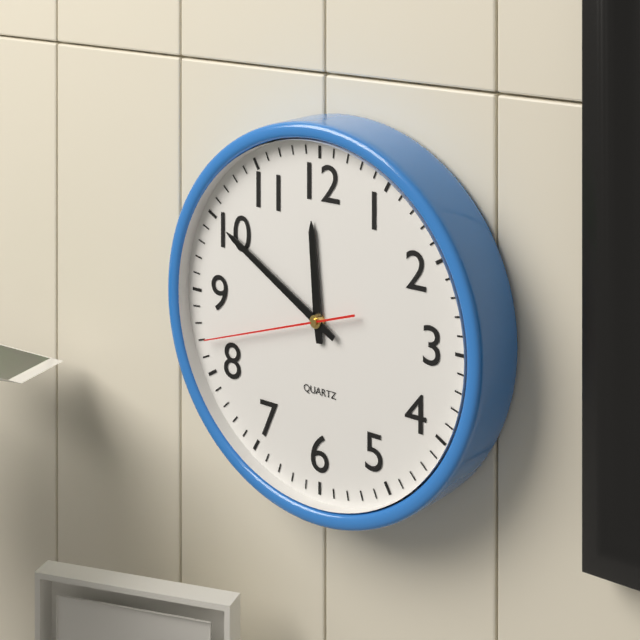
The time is 11,50,42
